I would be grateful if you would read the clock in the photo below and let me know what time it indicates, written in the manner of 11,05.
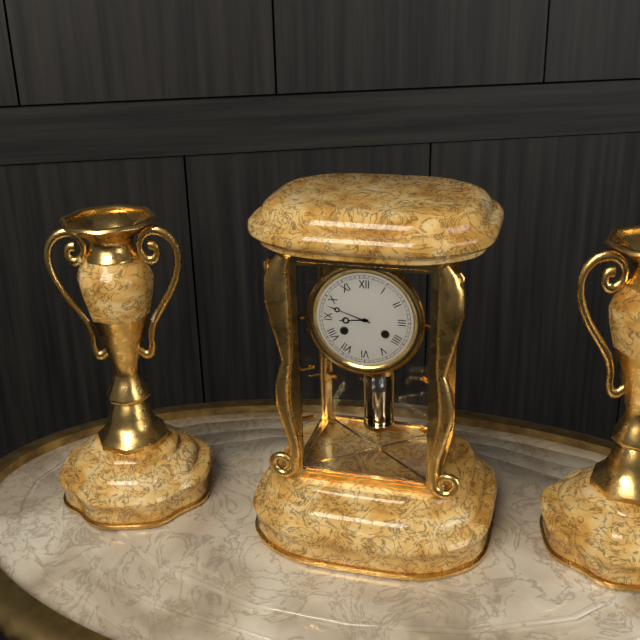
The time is 8,48
